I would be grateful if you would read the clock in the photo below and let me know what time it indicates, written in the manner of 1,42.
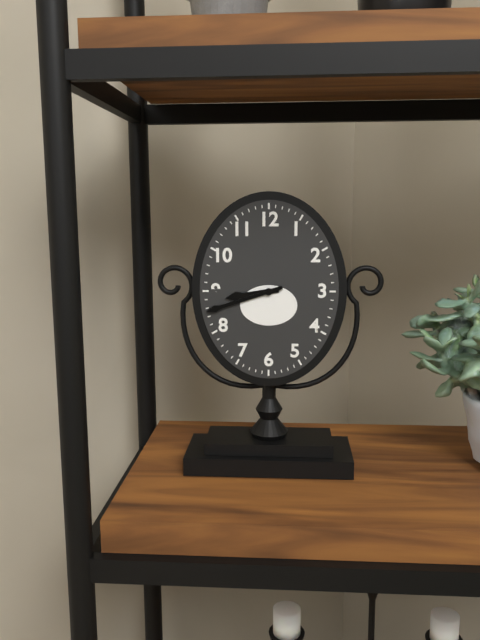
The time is 8,42
